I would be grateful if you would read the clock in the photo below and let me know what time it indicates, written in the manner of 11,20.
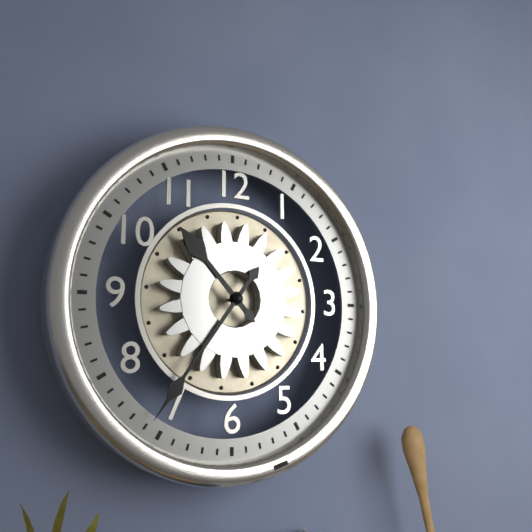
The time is 10,36
